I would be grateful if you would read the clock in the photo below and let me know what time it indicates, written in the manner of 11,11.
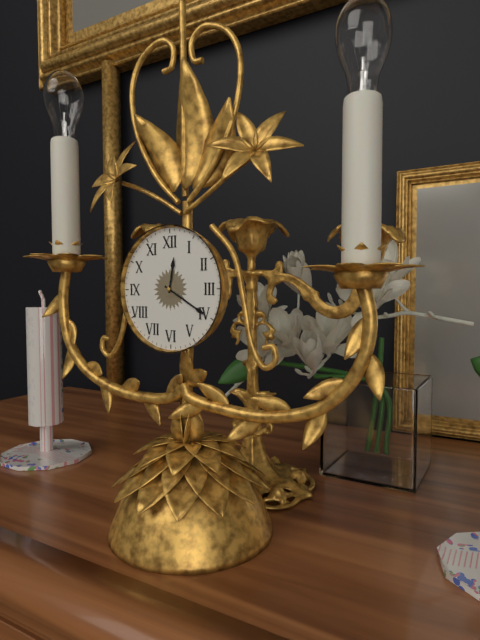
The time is 12,20
